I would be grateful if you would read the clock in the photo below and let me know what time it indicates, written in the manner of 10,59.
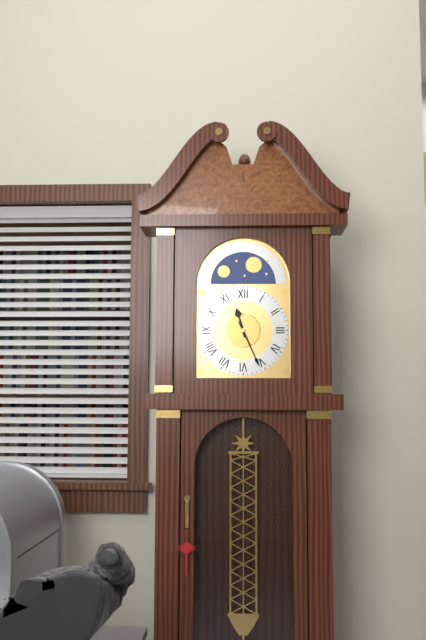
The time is 11,26
